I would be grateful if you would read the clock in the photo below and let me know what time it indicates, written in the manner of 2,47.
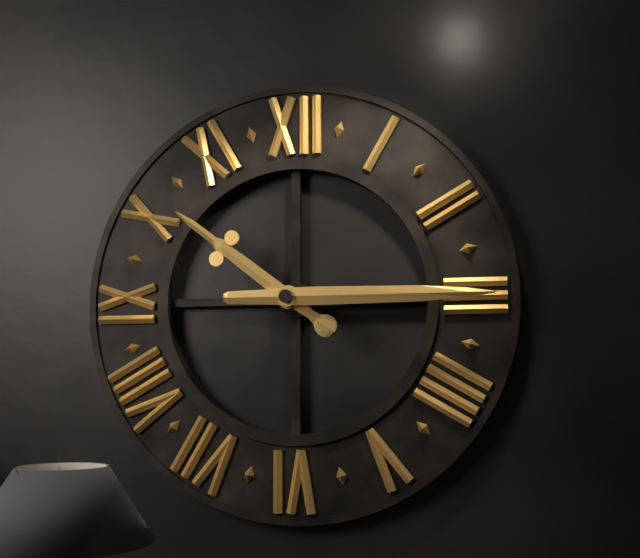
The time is 10,15
